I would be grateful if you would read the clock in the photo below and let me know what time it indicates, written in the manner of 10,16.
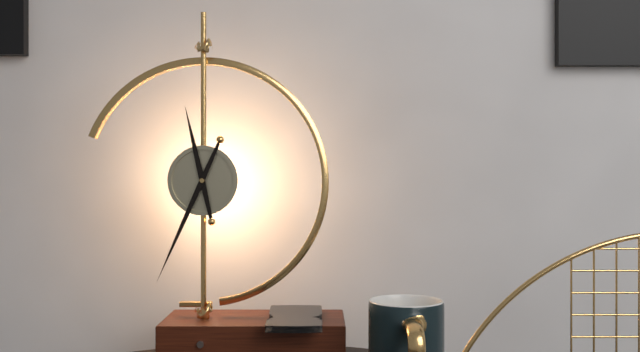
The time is 11,34
